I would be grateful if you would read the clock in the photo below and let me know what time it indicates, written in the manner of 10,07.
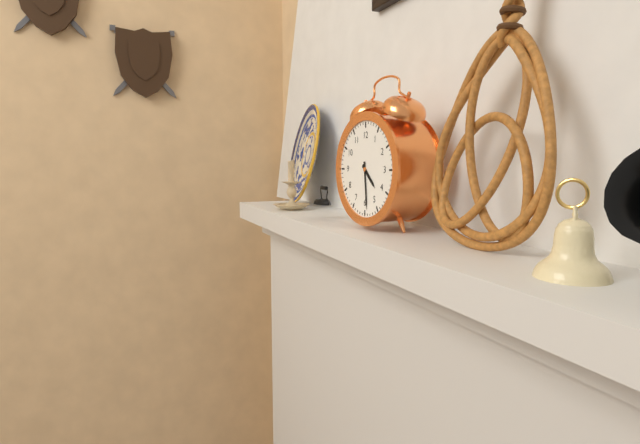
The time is 4,29
